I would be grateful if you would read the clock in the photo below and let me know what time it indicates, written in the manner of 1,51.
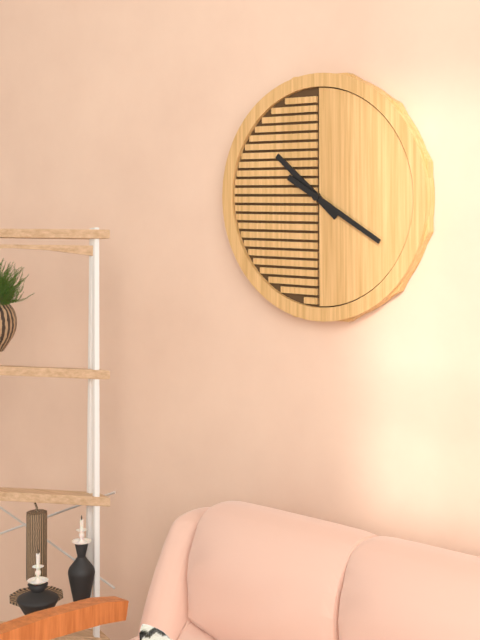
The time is 10,20
